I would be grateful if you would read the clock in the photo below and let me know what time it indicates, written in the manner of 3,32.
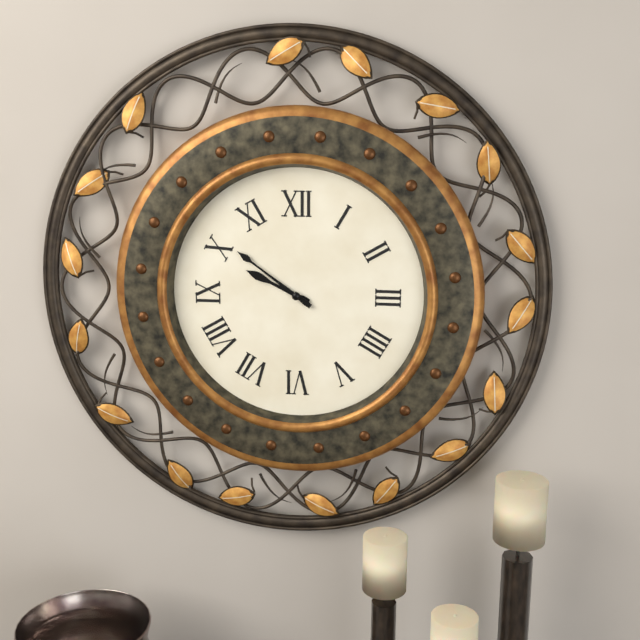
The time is 9,51
